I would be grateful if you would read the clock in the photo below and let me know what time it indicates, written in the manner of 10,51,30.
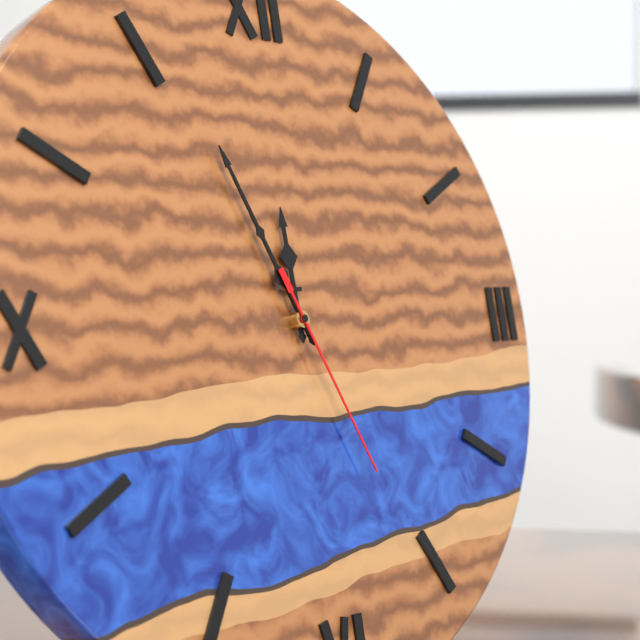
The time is 11,56,26
